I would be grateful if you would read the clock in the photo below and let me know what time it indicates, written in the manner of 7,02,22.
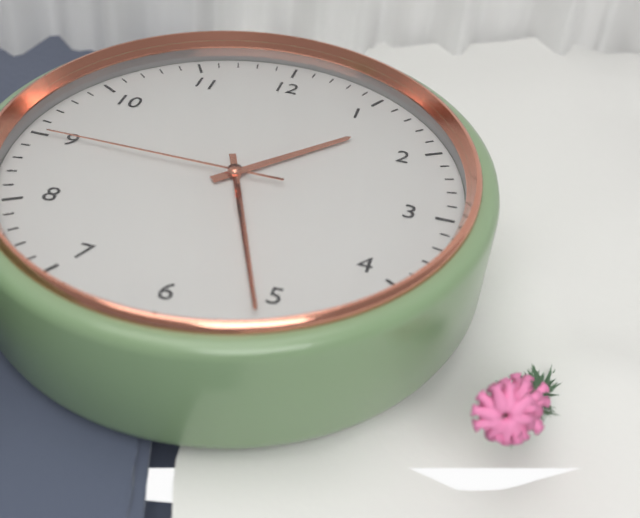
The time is 1,26,45
